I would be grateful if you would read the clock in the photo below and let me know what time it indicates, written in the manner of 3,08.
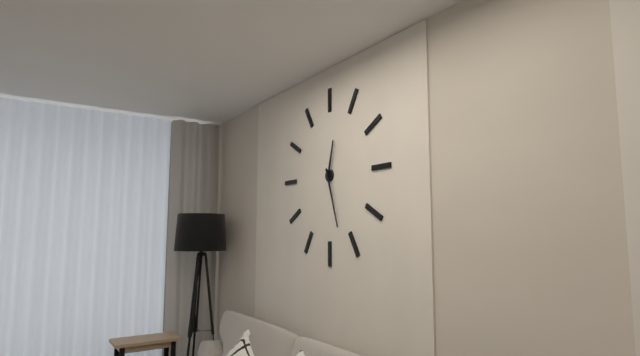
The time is 12,27
